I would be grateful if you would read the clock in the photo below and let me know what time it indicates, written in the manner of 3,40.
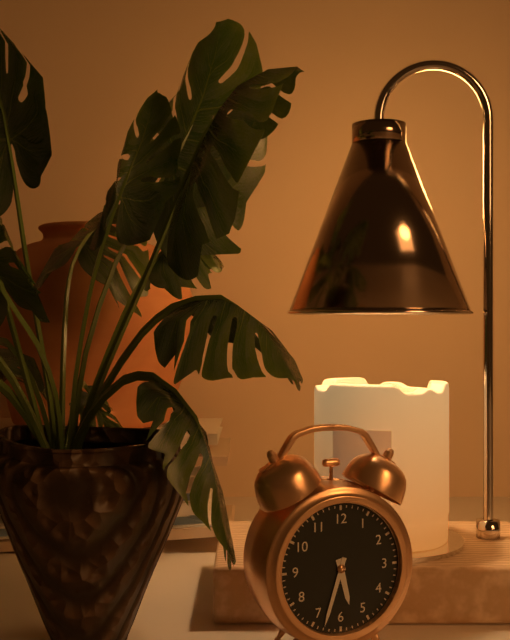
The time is 5,33
